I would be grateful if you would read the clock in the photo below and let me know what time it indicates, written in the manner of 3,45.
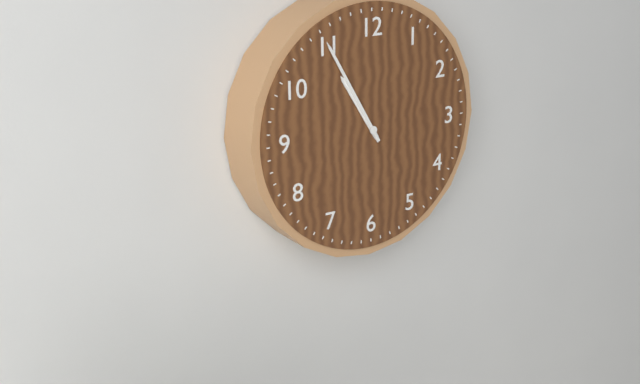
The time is 10,55
